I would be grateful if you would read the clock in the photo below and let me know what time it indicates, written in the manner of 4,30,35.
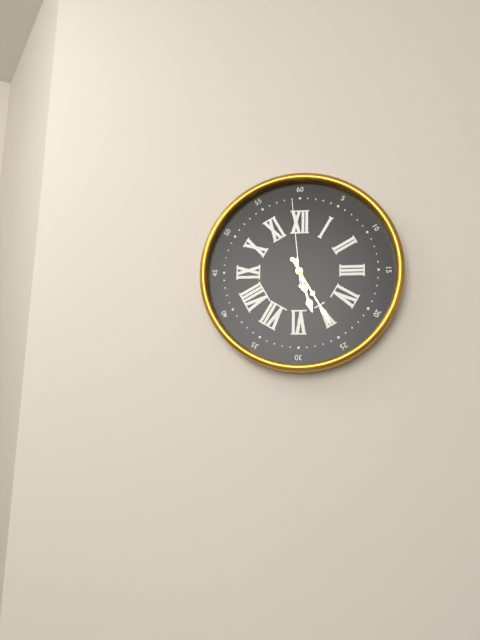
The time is 5,25,59
